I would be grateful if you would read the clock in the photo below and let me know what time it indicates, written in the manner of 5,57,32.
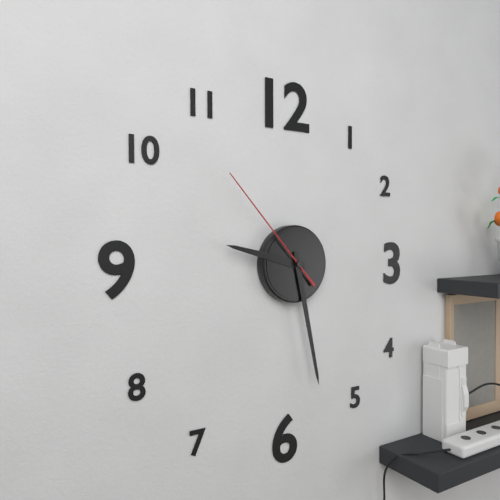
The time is 9,28,53
